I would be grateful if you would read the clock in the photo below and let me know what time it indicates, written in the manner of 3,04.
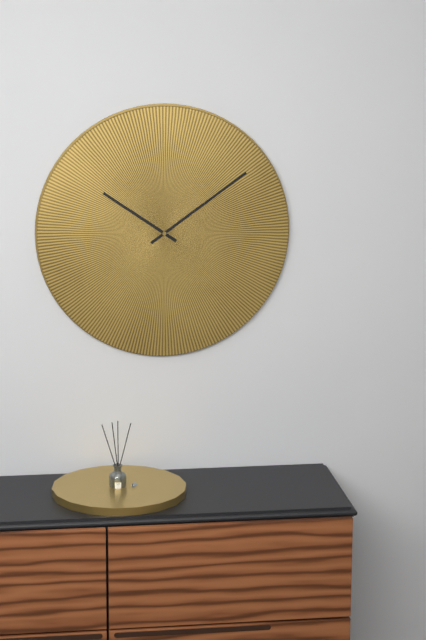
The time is 10,09
